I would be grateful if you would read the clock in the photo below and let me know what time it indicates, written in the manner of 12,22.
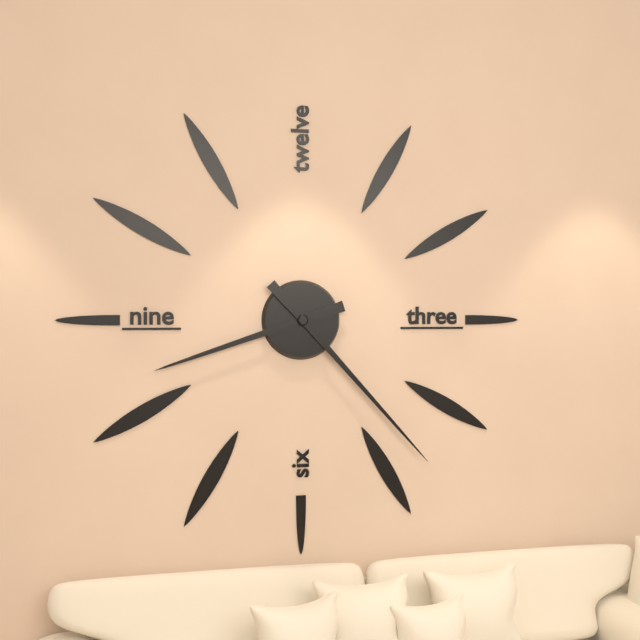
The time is 8,23
